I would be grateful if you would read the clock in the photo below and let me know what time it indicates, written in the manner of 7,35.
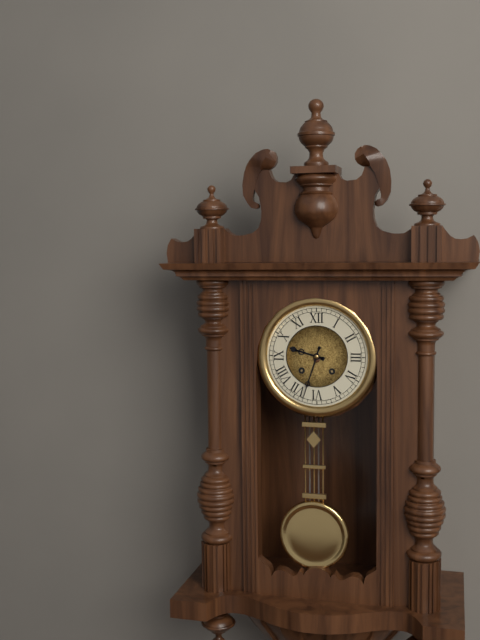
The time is 9,33
